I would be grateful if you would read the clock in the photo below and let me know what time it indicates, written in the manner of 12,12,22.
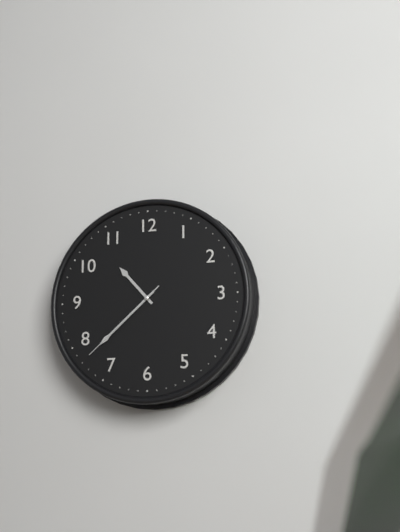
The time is 10,38,38
